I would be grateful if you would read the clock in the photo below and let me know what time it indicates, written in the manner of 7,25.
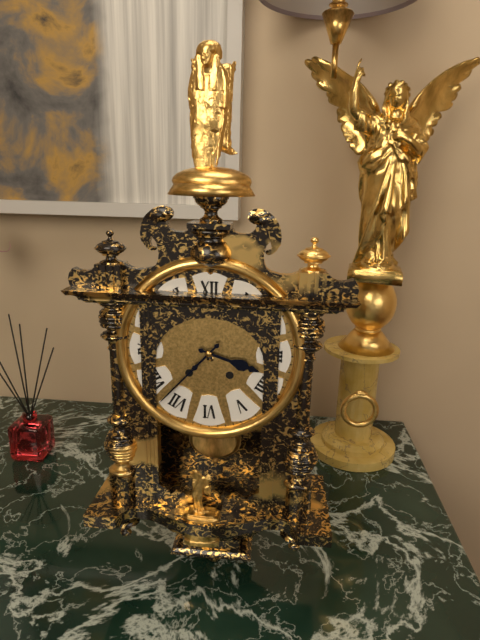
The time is 3,37
